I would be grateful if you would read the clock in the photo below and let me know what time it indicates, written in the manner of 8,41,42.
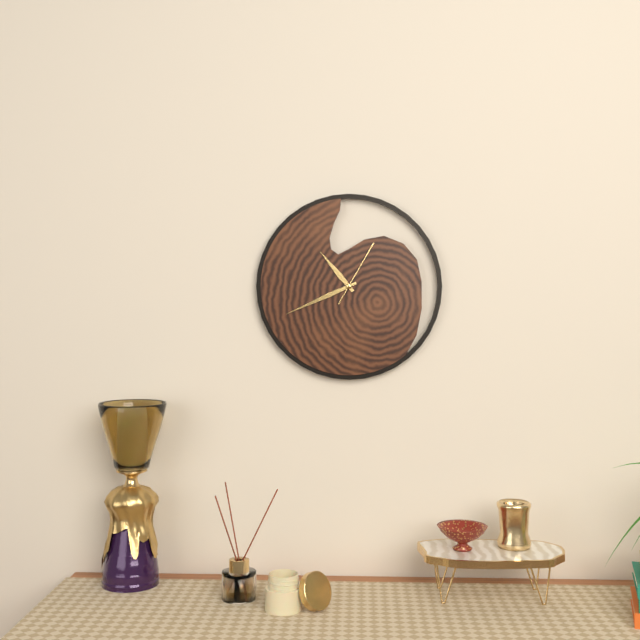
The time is 10,41,05
